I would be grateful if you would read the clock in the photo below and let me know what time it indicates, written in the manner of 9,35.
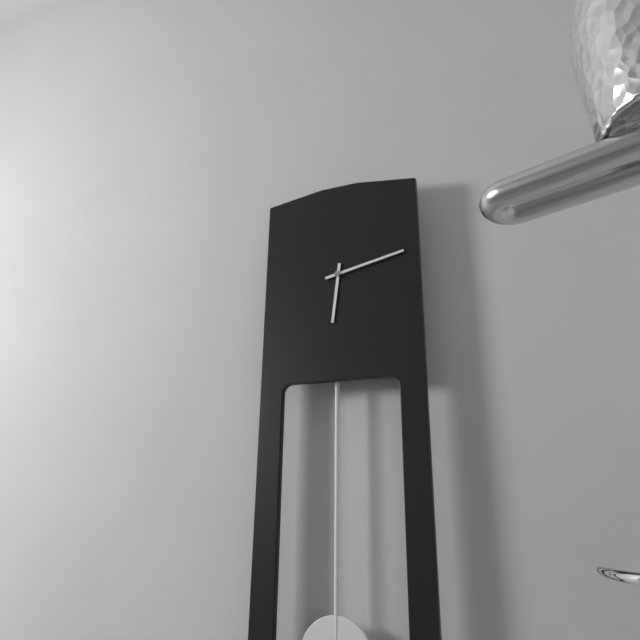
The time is 6,13
